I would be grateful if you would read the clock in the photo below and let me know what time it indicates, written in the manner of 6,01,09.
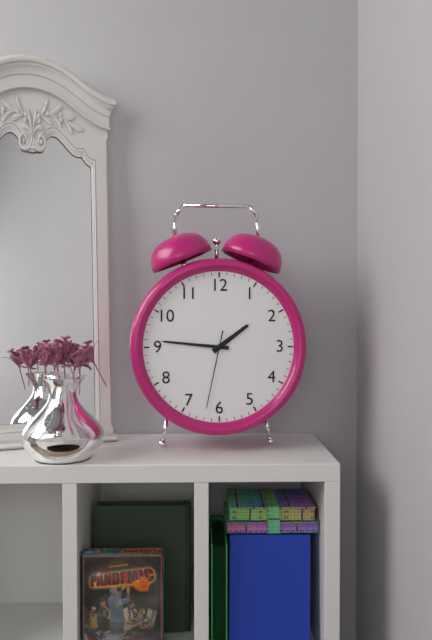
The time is 1,46,32
